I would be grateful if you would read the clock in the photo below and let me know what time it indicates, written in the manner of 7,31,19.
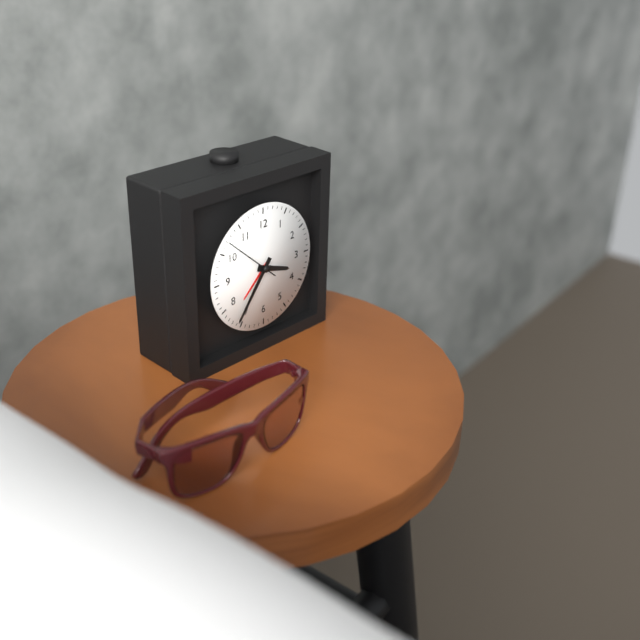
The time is 3,36,52
